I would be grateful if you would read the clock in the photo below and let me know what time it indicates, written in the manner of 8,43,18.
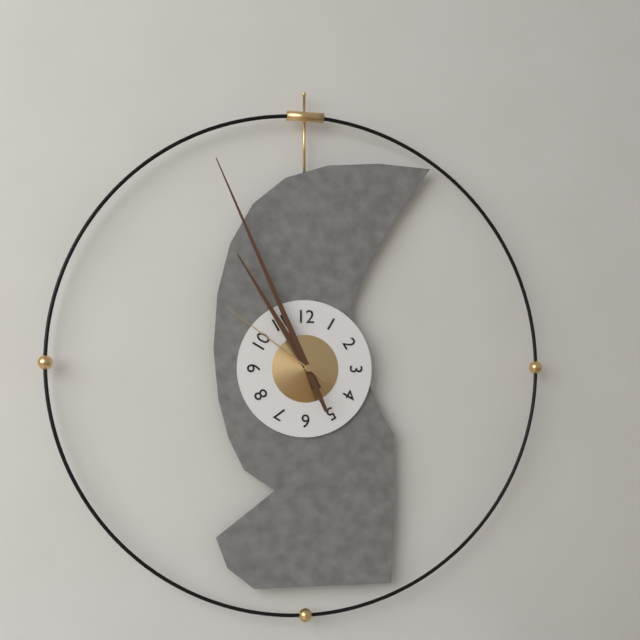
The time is 10,56,51
